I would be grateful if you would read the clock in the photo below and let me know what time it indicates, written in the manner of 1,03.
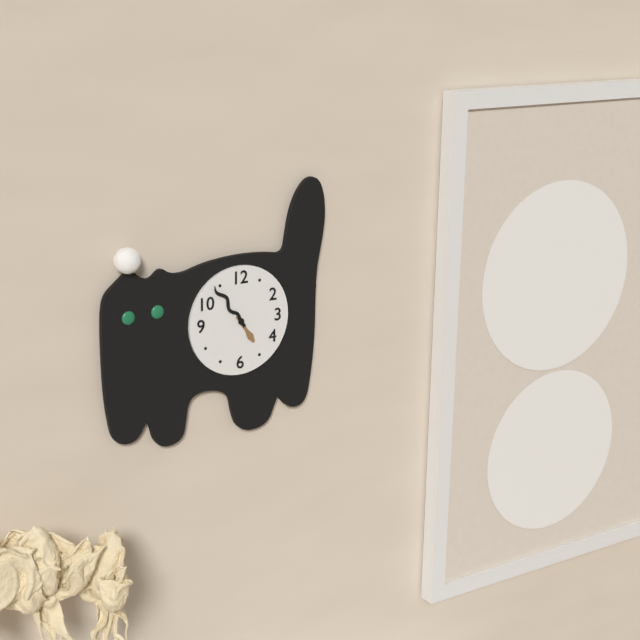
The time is 4,54
